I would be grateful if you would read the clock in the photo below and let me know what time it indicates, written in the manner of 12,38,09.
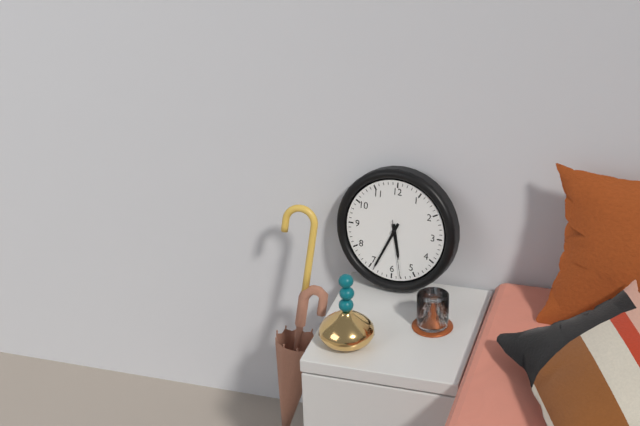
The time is 5,34,28
